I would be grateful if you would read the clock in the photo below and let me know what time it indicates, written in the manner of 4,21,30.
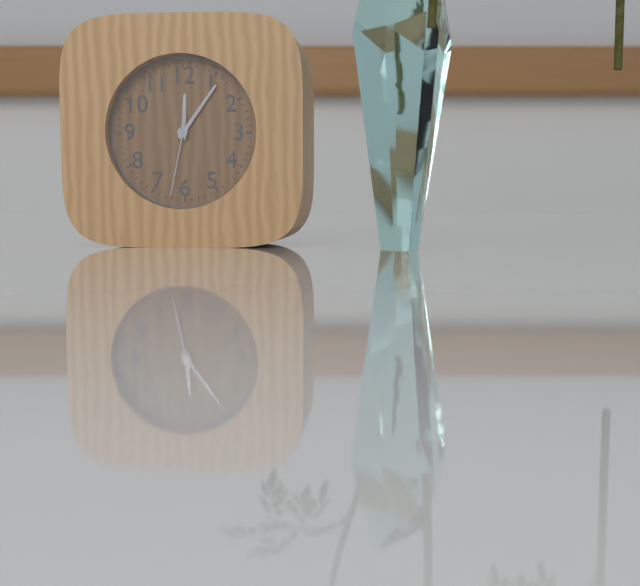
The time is 12,06,32
